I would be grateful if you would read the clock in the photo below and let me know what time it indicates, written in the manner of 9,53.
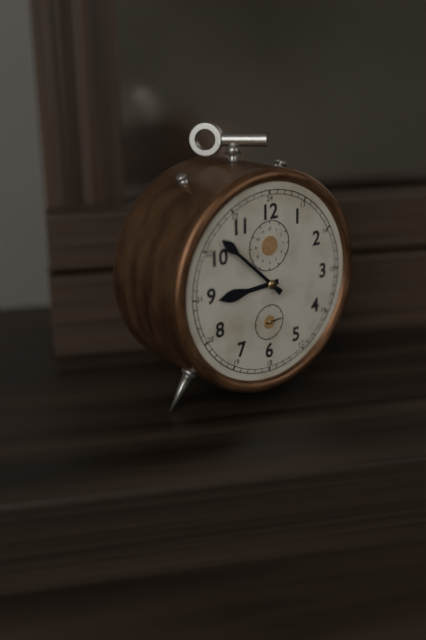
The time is 8,52
